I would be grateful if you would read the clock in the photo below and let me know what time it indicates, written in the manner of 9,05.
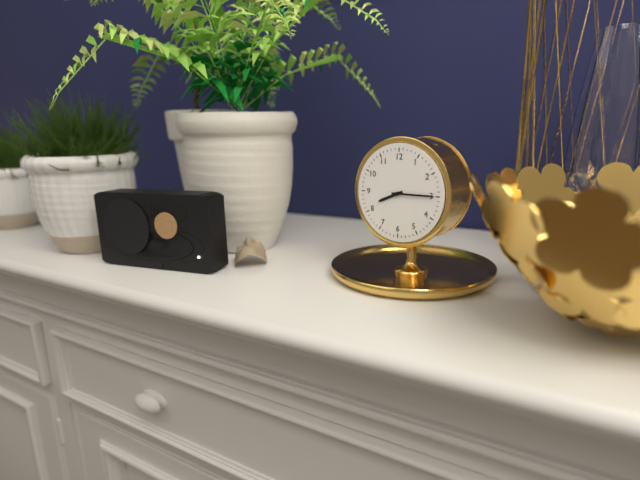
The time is 8,15
